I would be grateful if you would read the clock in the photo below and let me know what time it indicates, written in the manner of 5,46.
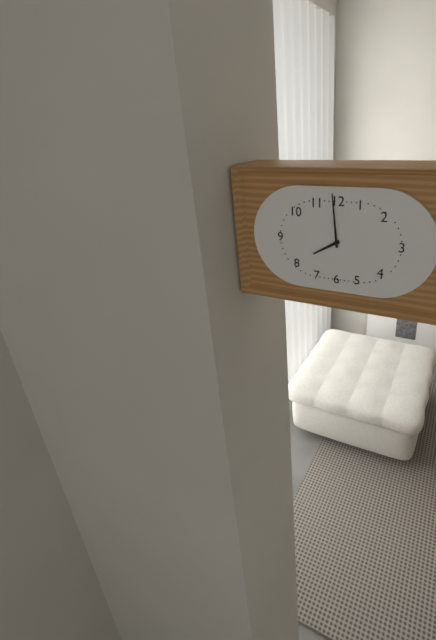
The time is 7,59
